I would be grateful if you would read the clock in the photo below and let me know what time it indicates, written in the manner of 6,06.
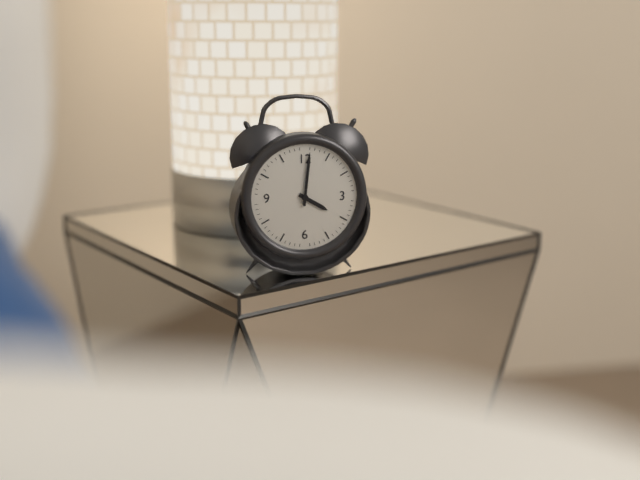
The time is 4,01
